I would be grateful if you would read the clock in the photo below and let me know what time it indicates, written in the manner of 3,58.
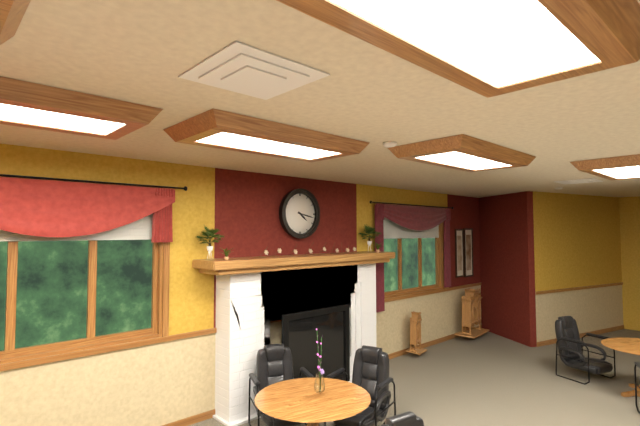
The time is 4,17
